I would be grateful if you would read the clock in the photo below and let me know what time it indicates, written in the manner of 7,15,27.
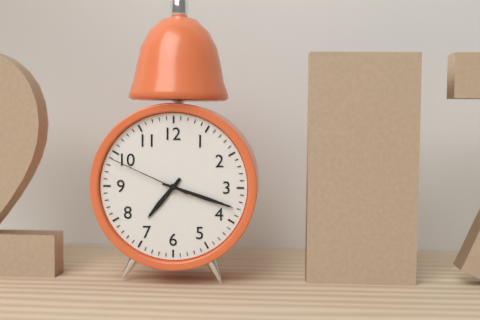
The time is 7,18,49
